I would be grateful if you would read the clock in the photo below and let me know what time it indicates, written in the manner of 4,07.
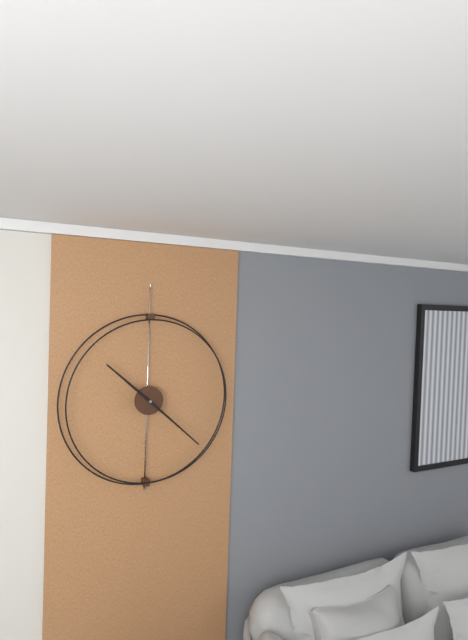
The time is 10,22
